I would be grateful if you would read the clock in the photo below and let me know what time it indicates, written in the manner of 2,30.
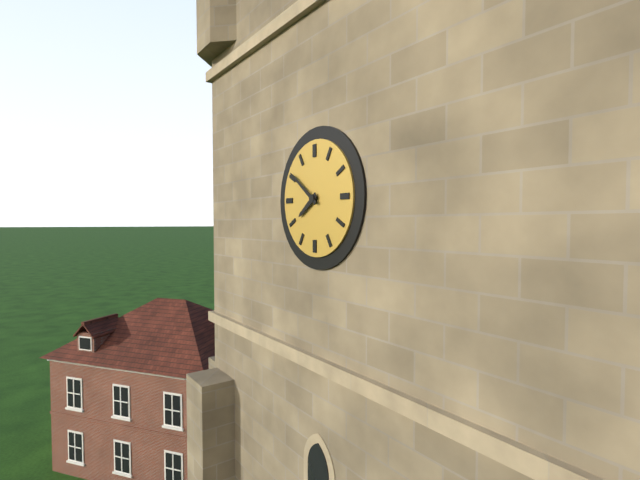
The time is 7,51
